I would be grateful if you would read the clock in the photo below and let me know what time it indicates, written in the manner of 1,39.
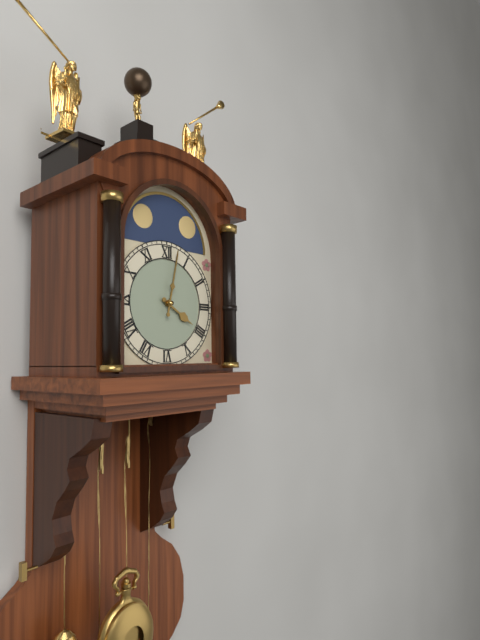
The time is 4,02
